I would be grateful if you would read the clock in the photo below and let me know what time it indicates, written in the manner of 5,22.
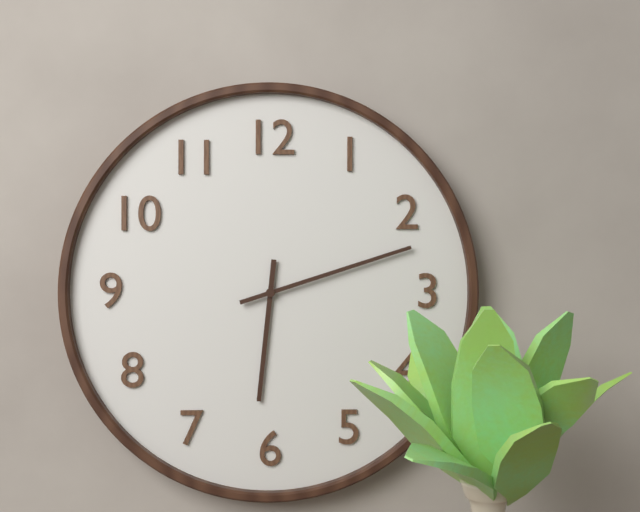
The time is 6,12
